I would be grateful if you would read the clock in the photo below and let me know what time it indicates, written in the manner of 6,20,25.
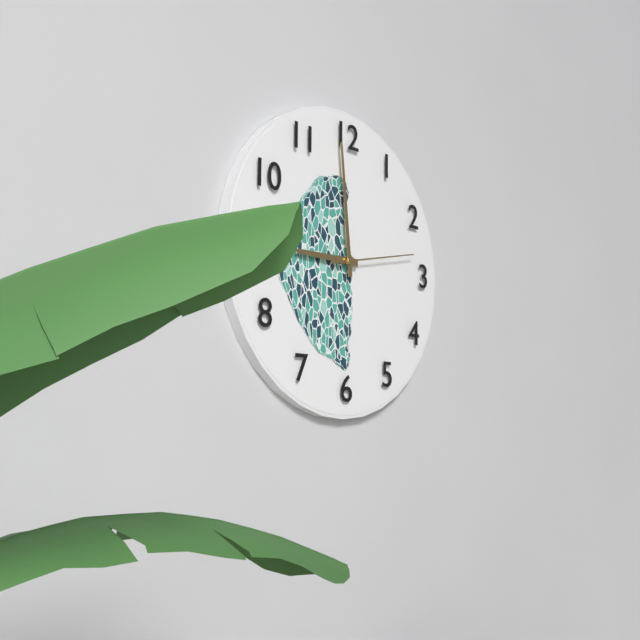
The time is 8,59,13
